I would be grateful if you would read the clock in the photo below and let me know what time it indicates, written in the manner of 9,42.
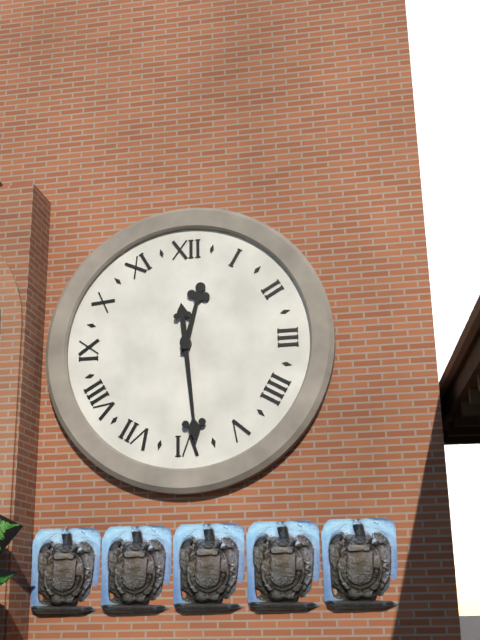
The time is 12,29
